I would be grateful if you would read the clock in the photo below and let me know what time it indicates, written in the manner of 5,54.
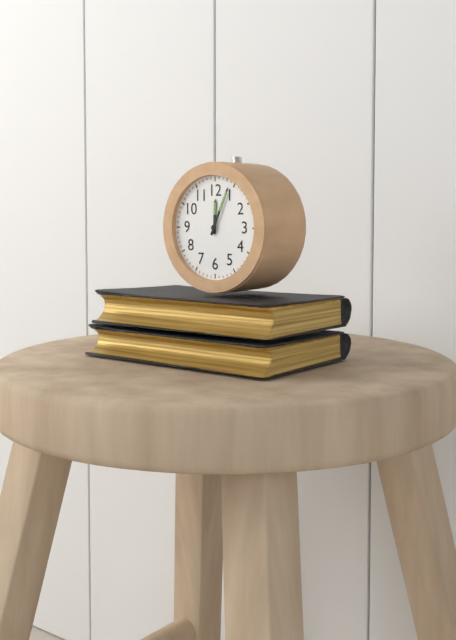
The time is 12,04
